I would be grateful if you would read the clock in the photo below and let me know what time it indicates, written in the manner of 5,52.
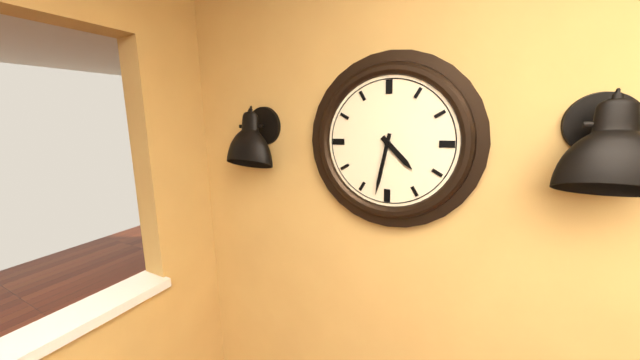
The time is 4,32
